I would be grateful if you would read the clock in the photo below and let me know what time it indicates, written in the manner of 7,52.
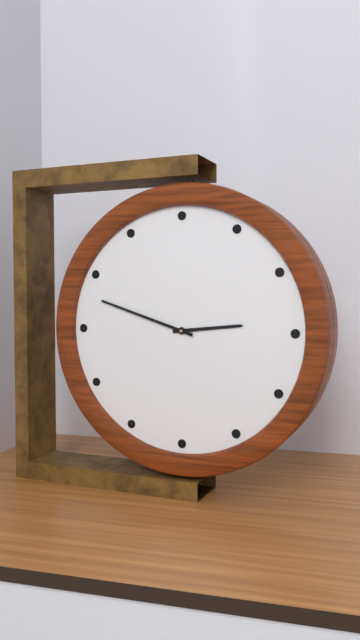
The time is 2,48
